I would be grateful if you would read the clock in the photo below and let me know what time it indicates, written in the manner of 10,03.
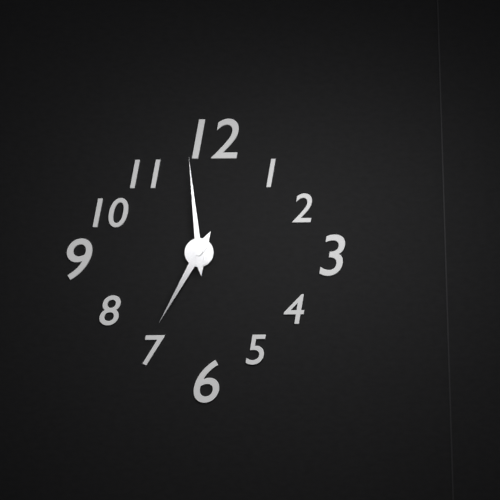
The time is 6,59
